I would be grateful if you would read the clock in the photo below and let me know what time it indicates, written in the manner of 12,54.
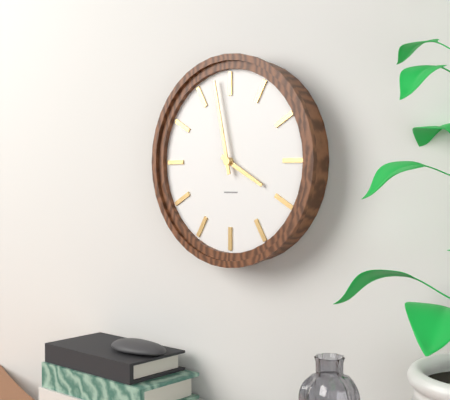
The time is 3,58
